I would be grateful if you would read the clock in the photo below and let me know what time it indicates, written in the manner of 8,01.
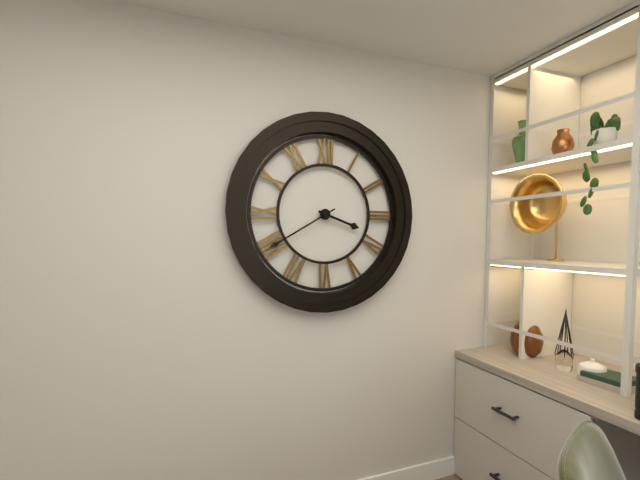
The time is 3,40
